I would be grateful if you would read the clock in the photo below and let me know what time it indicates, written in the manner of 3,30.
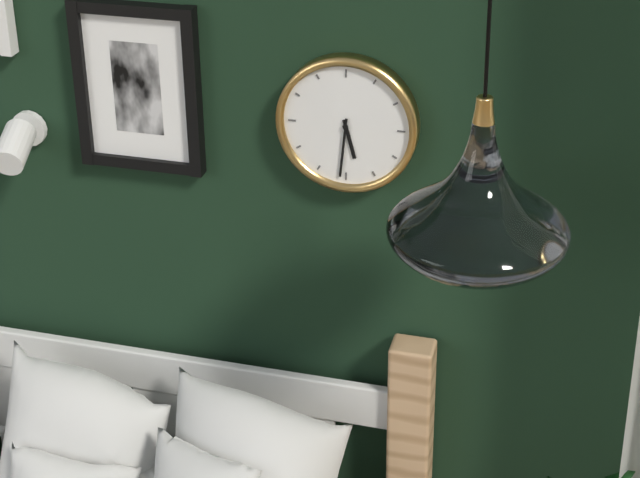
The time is 5,31
